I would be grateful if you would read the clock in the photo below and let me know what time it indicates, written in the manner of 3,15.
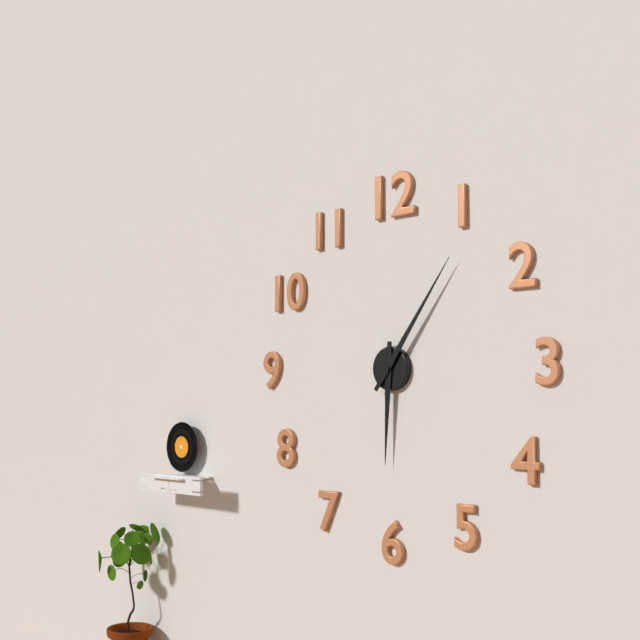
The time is 6,06
